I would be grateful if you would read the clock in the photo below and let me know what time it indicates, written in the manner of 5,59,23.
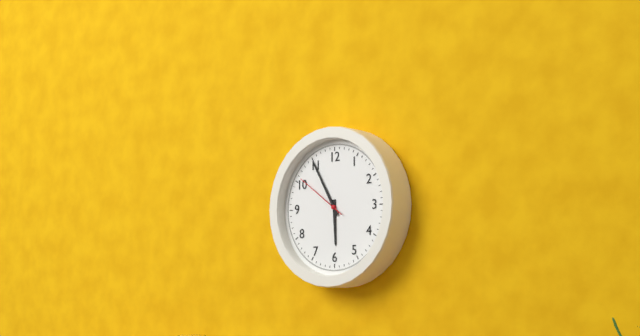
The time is 5,55,51
